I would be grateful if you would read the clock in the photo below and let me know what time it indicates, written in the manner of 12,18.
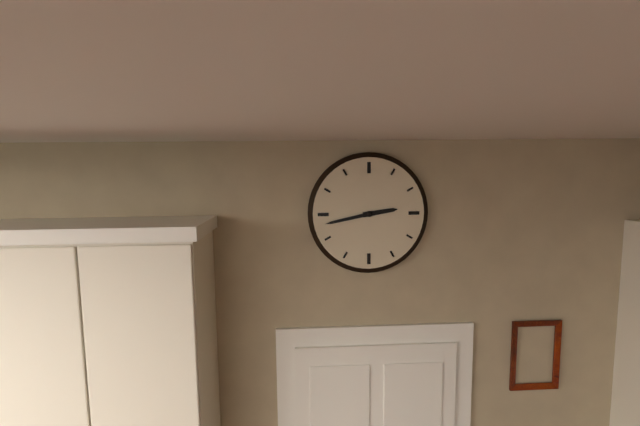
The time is 2,43
